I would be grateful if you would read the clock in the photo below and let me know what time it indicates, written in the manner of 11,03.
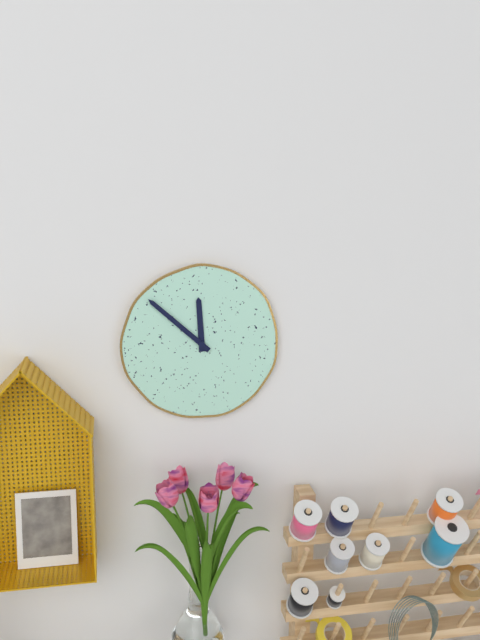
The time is 11,52
